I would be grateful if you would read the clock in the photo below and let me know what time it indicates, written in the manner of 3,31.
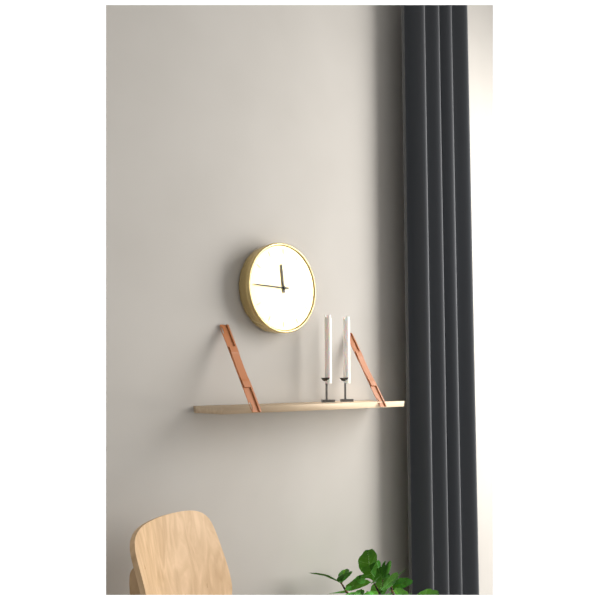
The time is 11,45
